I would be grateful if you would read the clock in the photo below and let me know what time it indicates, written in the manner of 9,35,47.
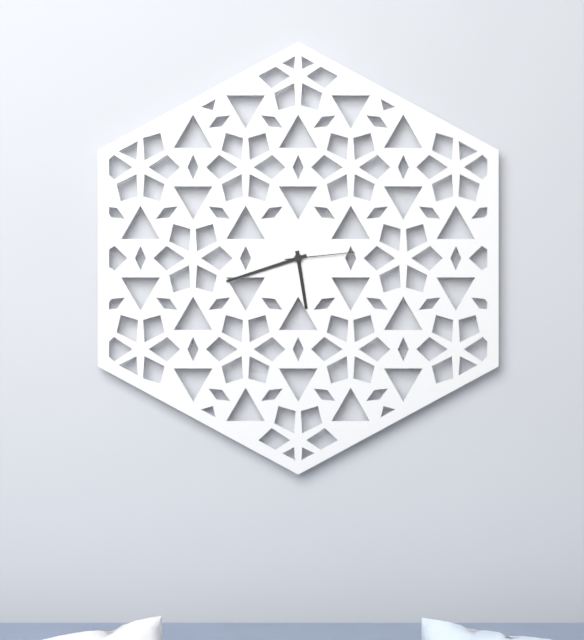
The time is 5,42,14
